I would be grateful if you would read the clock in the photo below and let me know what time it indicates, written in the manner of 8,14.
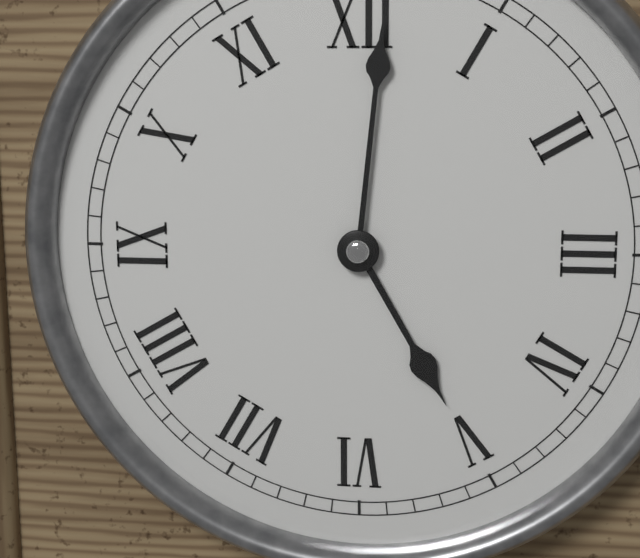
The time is 5,01
